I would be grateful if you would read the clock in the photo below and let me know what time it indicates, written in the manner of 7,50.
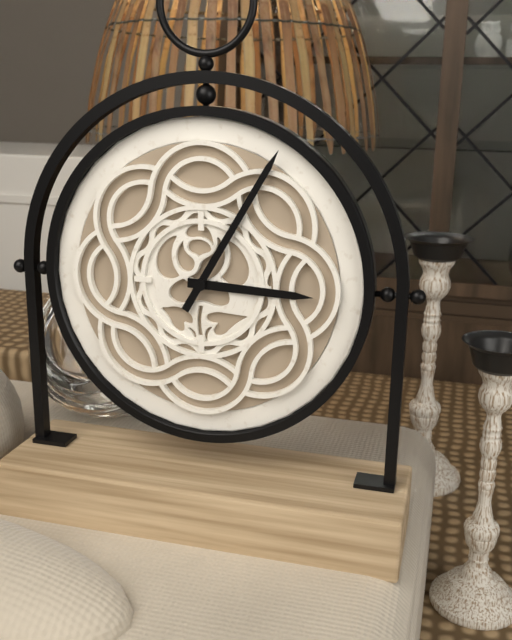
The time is 3,05
